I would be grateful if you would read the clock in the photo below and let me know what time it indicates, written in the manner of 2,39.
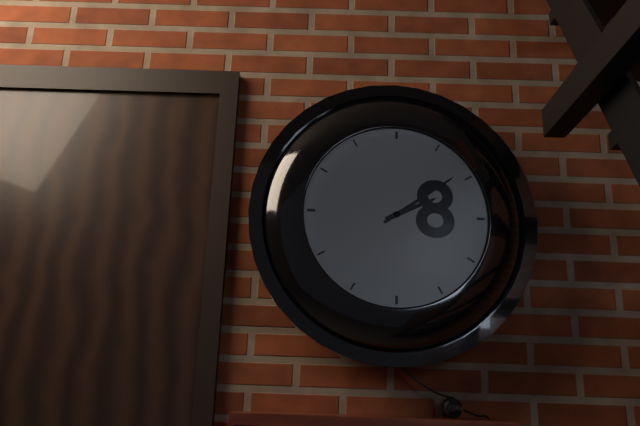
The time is 2,09
